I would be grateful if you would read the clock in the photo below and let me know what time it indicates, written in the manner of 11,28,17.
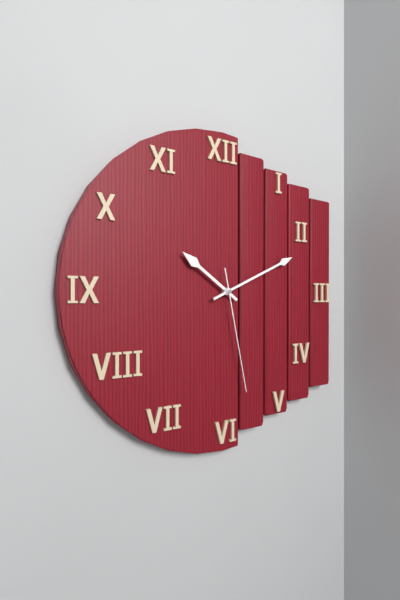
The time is 10,11,28
